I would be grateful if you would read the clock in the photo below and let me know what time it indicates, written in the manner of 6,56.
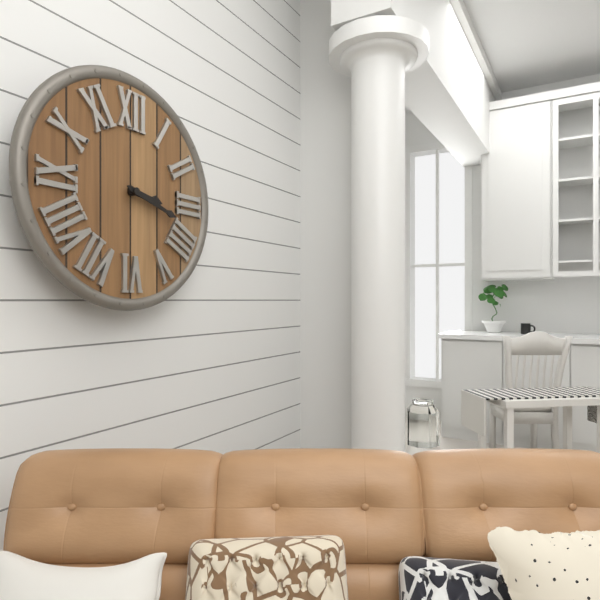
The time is 3,18
